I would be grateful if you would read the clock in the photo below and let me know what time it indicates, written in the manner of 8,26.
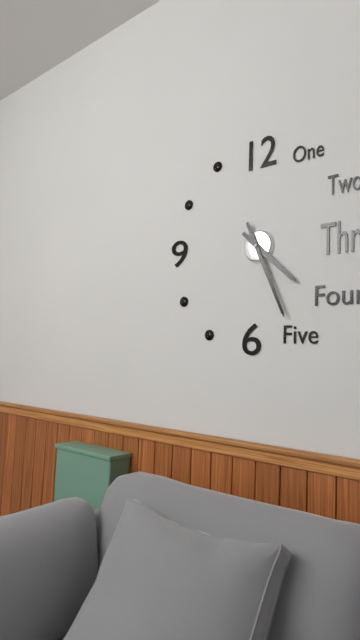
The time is 4,26
